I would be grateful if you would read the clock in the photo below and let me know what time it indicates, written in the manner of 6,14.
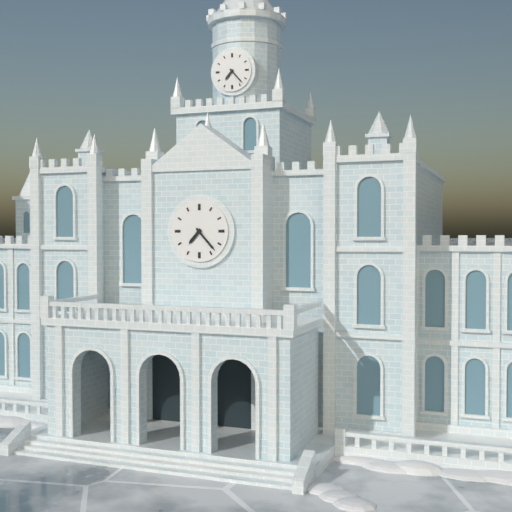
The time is 7,23
